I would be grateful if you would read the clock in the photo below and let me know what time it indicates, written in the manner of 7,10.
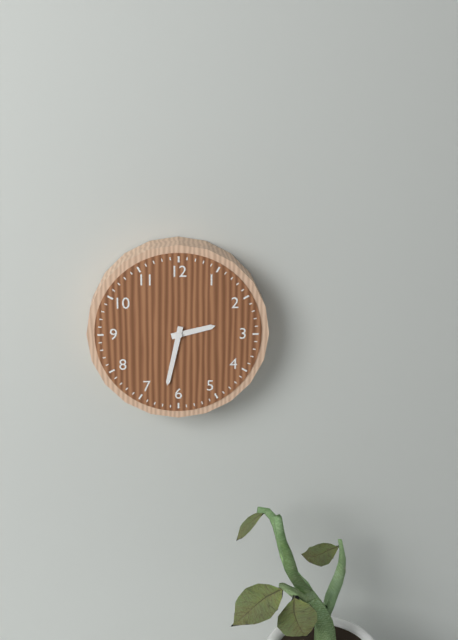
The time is 2,32
